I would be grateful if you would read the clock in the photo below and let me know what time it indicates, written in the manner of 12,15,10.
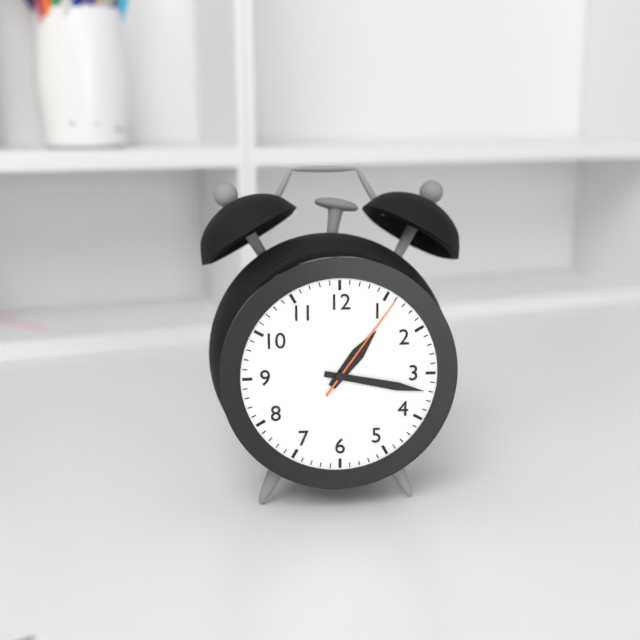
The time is 1,17,06
